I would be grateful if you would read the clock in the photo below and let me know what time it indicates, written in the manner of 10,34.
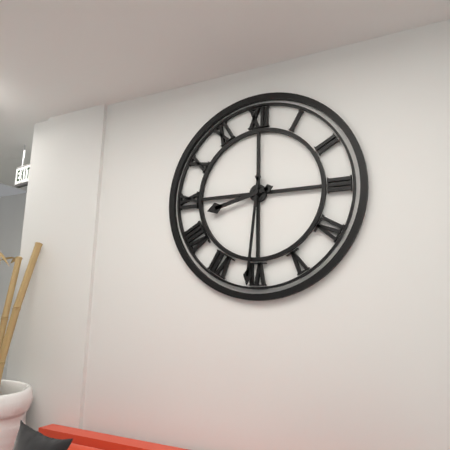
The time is 8,31
